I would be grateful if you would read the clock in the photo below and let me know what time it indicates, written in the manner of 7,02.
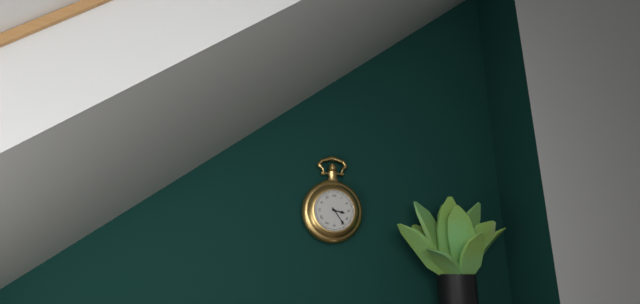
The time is 3,24
